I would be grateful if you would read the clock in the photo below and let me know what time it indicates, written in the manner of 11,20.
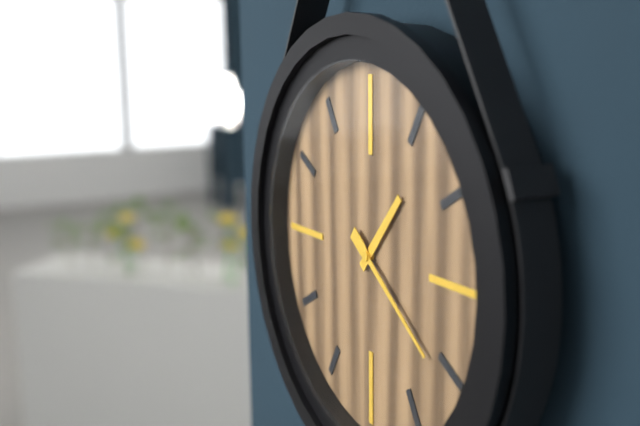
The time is 1,21
